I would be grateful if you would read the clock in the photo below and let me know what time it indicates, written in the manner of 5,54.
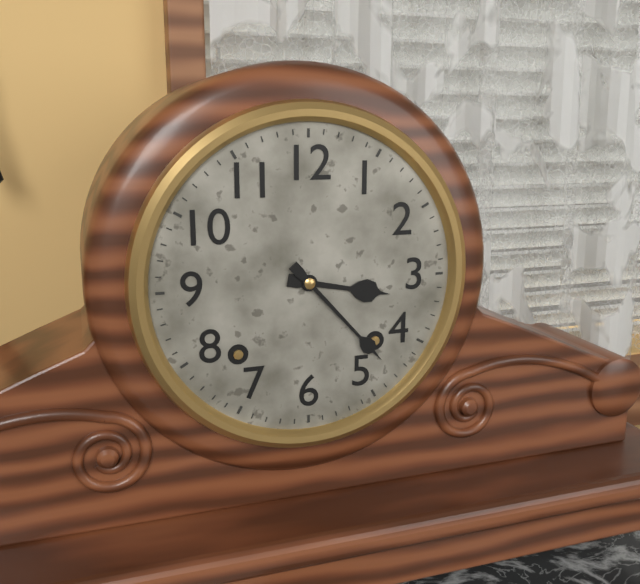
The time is 3,23
